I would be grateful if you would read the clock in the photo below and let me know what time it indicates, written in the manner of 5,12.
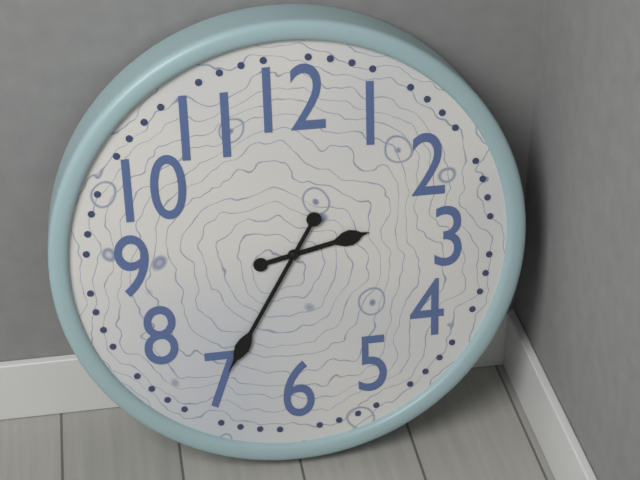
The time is 2,35
